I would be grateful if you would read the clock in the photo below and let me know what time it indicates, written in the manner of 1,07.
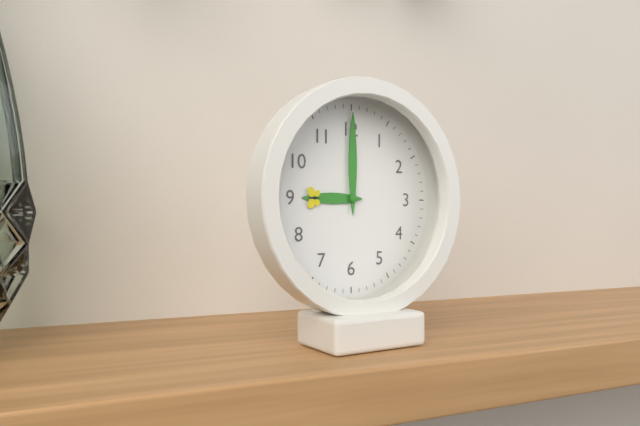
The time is 9,00
